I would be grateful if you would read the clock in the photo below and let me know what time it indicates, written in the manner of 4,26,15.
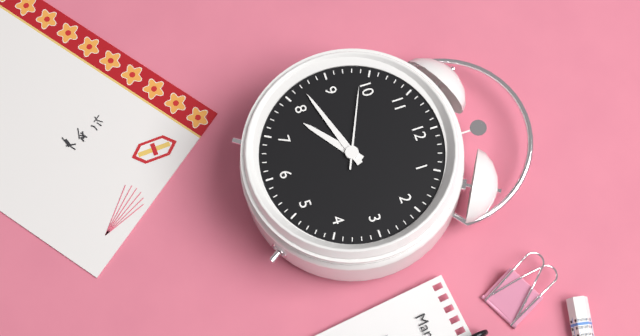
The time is 7,42,49
